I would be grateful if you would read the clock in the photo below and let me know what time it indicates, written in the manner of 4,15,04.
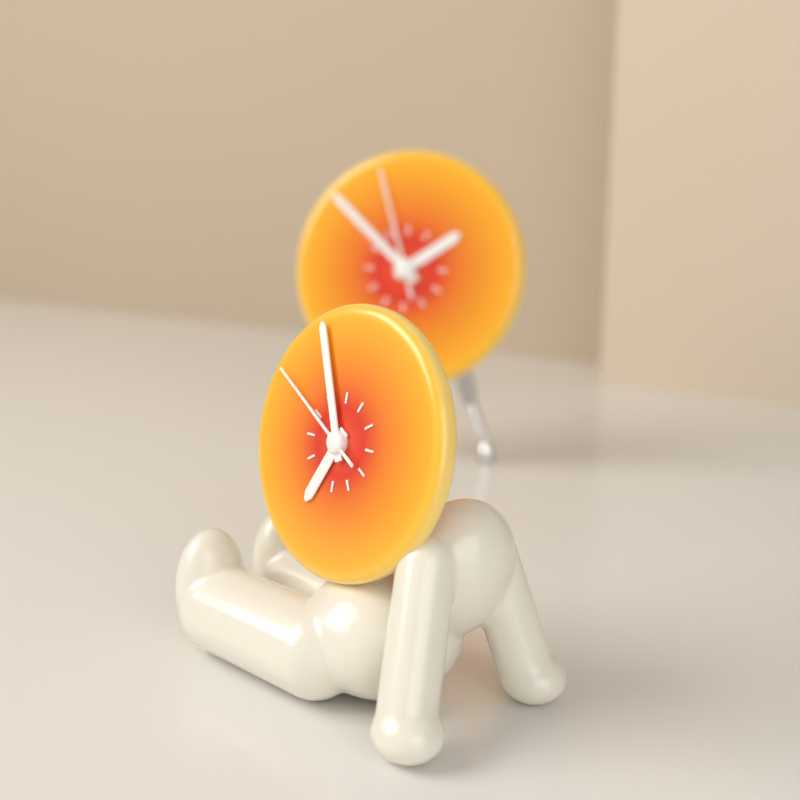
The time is 6,56,50
